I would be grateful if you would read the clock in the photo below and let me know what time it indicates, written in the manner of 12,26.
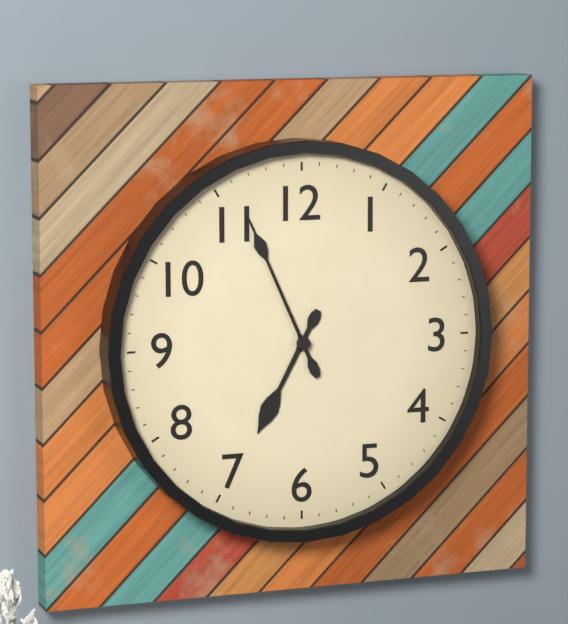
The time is 6,56
